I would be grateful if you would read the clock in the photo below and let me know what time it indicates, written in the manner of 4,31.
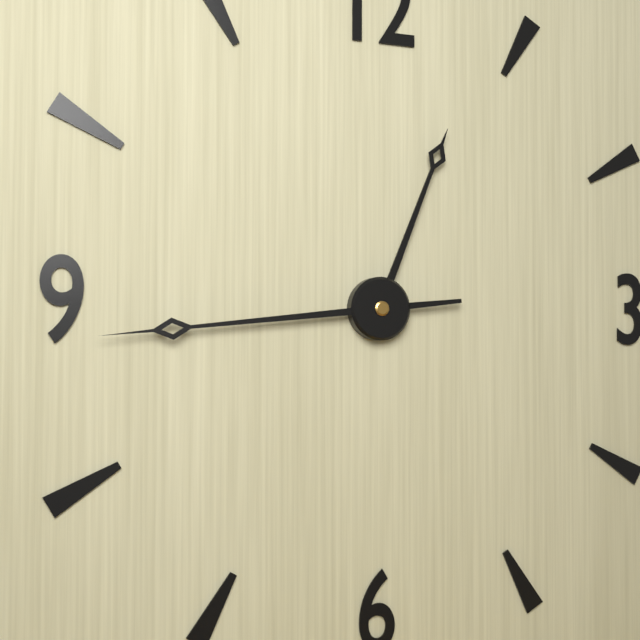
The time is 12,44
